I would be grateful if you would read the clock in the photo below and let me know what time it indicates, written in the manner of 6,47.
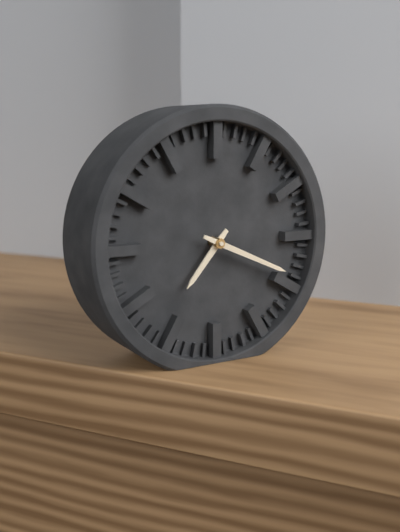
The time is 7,19
